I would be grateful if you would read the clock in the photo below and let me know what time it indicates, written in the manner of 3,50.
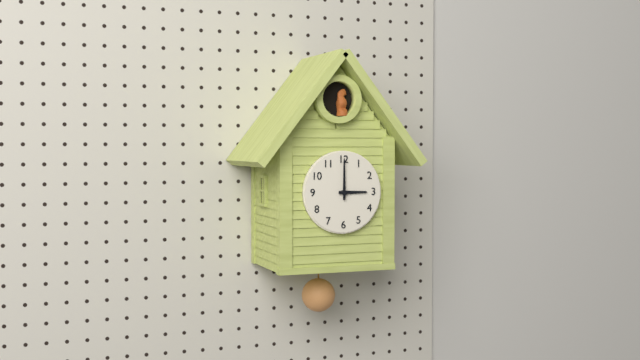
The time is 3,00
